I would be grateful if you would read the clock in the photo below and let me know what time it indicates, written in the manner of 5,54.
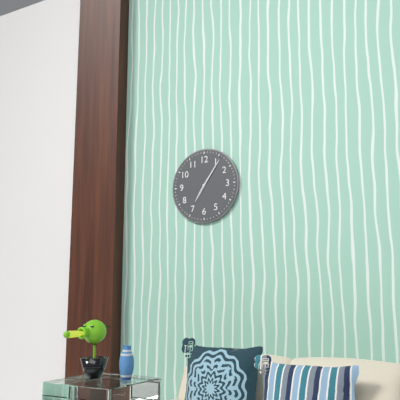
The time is 7,06
